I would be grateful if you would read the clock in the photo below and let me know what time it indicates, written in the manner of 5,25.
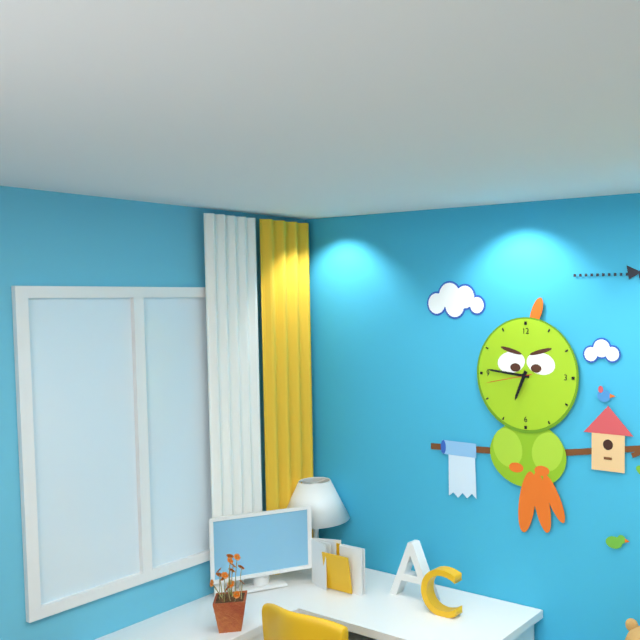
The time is 6,46
